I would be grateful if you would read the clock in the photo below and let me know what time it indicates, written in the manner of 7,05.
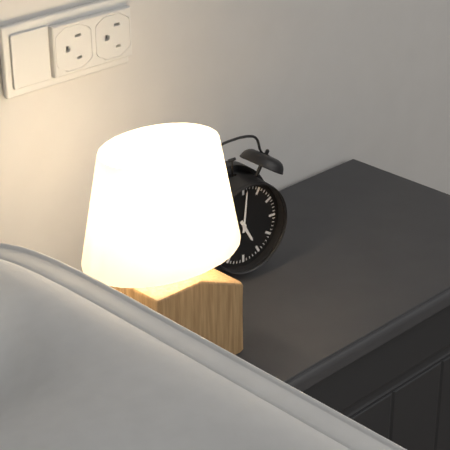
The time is 5,01
